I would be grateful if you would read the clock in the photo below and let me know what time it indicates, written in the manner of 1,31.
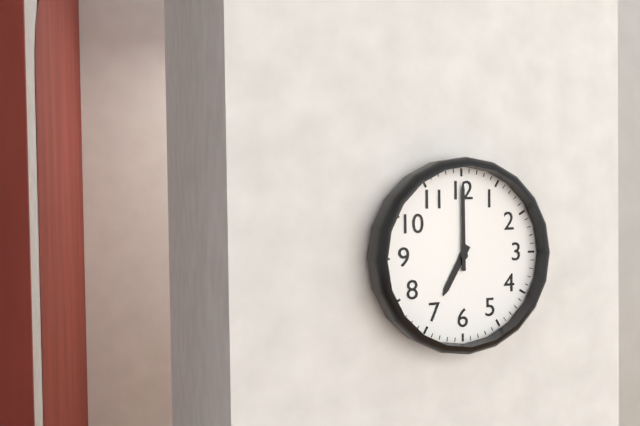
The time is 7,00
